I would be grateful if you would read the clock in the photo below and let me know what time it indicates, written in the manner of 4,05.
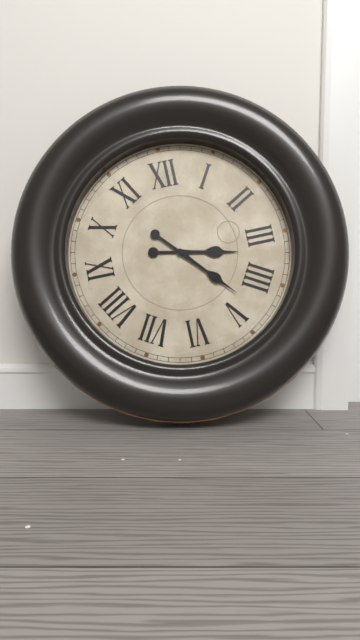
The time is 3,23
